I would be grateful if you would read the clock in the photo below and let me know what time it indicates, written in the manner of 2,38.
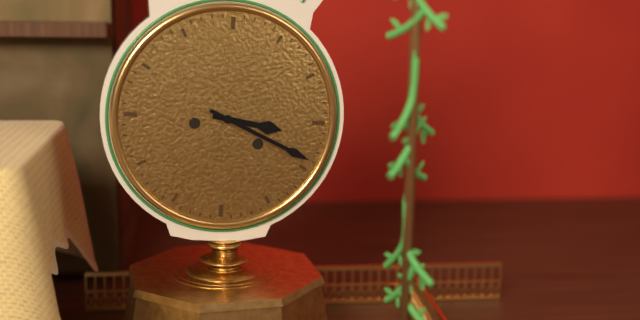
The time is 3,19
